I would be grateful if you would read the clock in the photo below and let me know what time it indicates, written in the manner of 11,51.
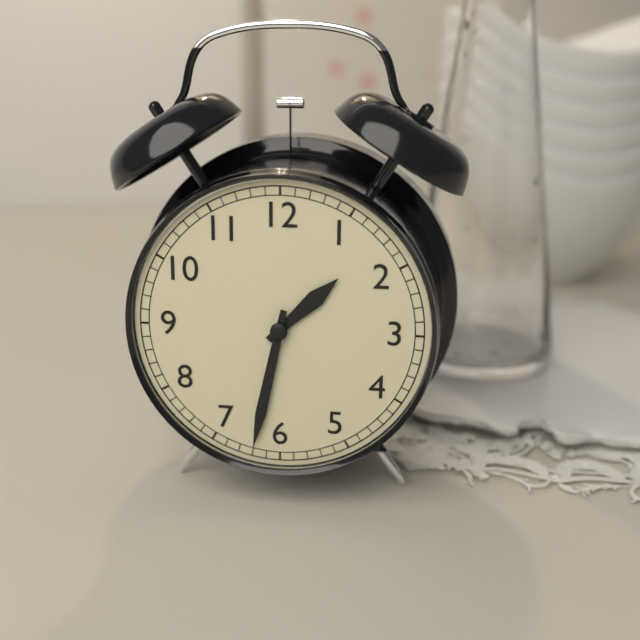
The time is 1,32
